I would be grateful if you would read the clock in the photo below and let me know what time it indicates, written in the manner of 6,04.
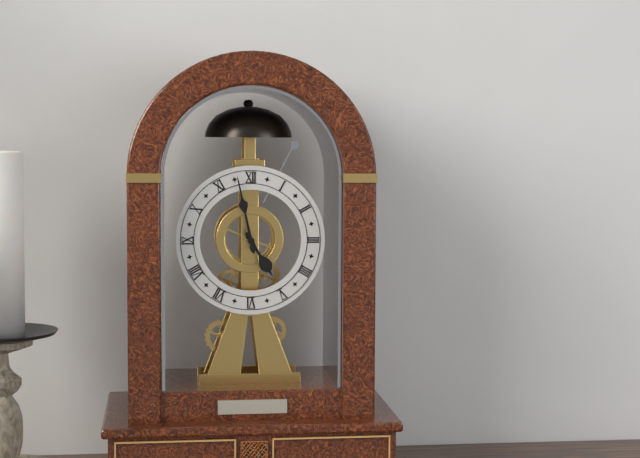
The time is 4,58
